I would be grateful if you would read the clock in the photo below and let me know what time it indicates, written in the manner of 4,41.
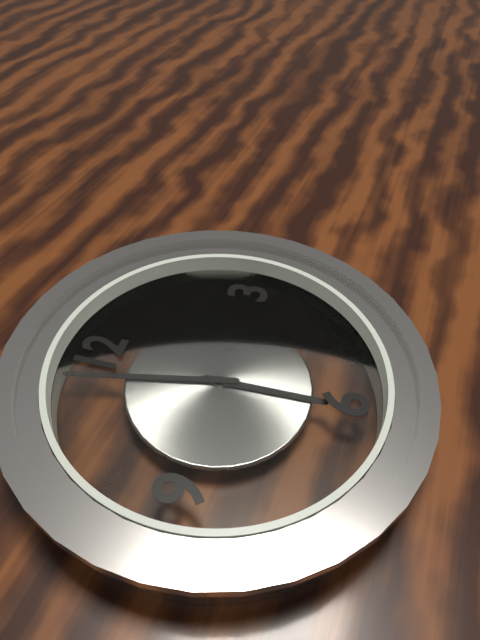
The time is 5,58
